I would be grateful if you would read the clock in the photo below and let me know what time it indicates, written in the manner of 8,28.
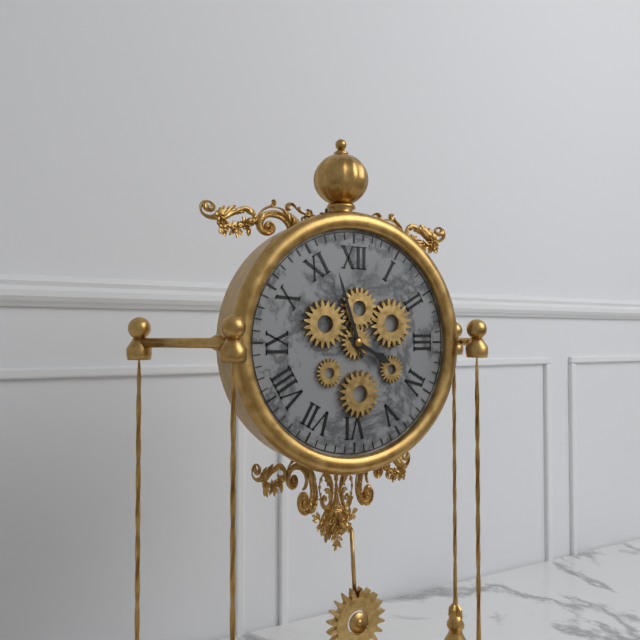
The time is 3,57
